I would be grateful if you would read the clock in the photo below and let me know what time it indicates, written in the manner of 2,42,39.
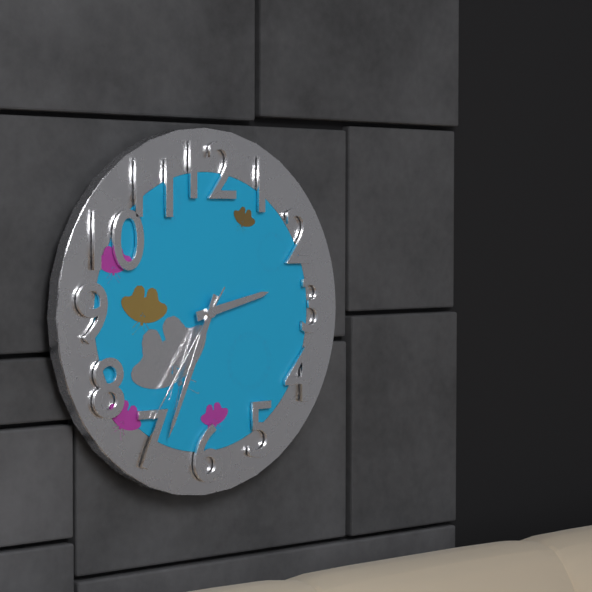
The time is 2,34,36
